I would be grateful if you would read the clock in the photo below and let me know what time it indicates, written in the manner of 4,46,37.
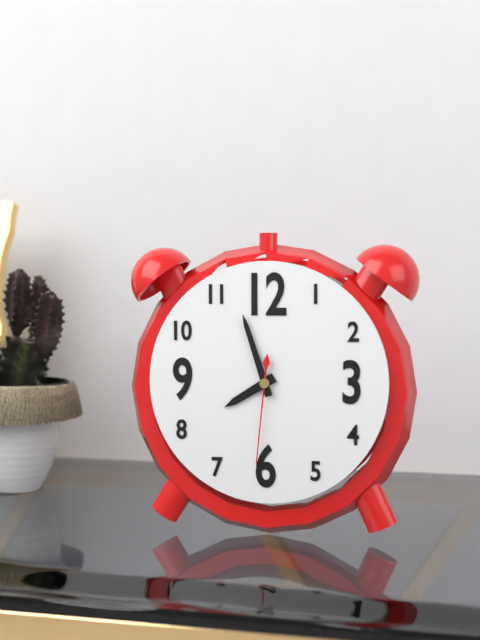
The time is 7,57,31
